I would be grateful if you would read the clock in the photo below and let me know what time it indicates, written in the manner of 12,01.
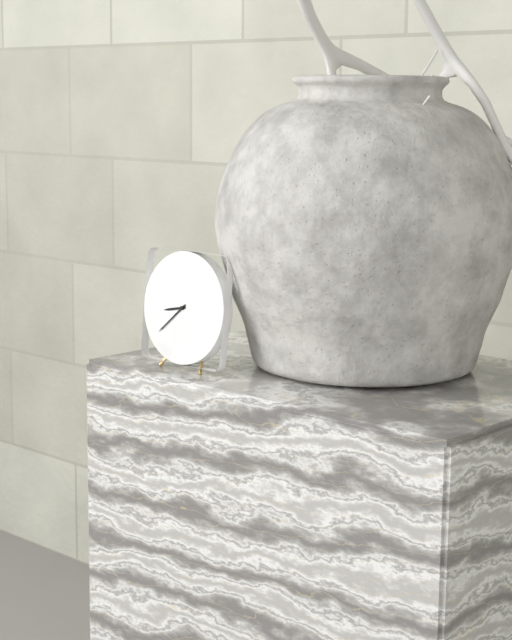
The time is 8,38
